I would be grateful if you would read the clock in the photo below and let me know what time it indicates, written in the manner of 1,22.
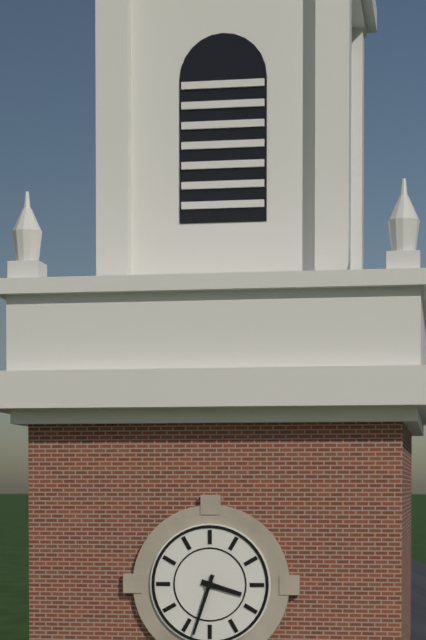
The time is 3,33
